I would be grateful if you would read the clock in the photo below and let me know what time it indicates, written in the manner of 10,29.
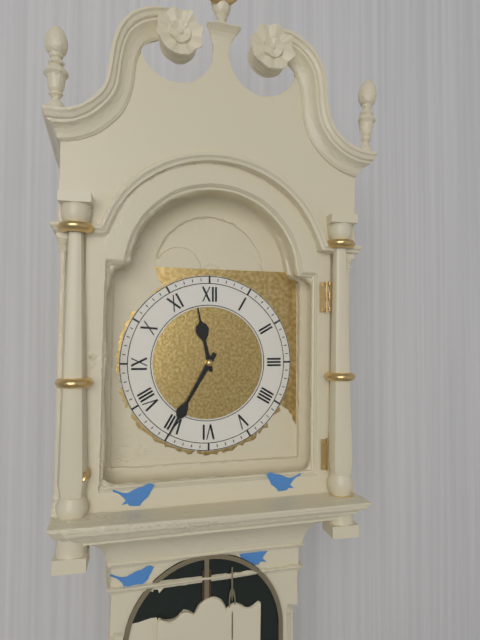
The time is 11,35
